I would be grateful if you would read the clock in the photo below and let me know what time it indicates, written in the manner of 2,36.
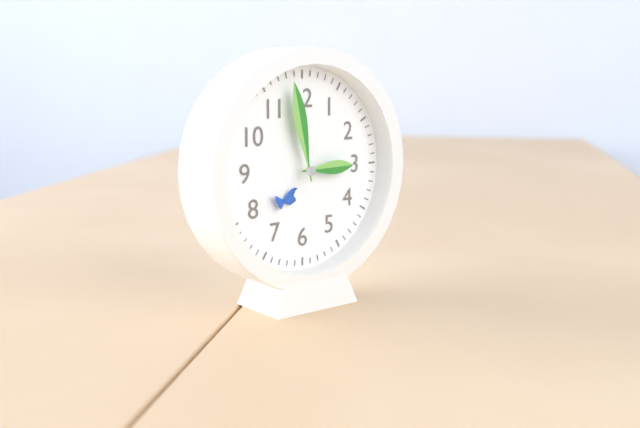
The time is 2,58
